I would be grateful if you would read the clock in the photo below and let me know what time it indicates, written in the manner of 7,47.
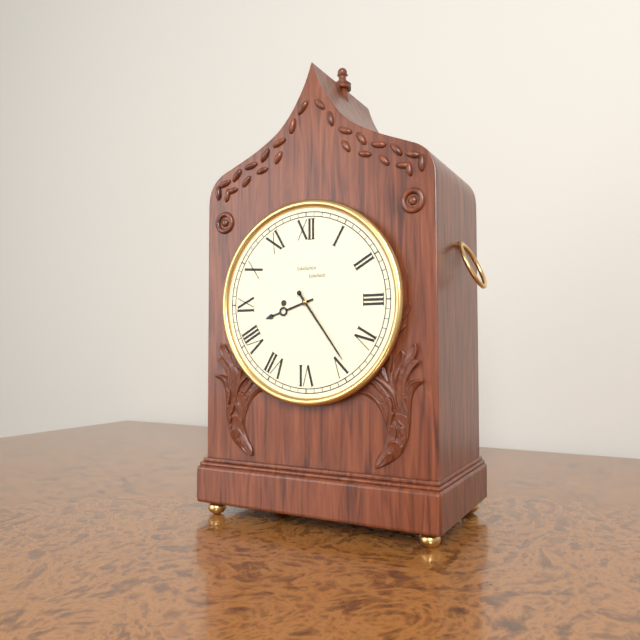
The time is 8,24
